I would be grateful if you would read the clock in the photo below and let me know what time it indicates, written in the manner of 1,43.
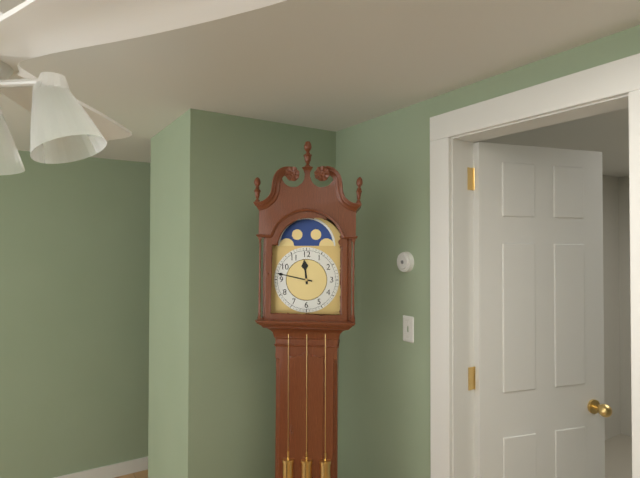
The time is 11,47
